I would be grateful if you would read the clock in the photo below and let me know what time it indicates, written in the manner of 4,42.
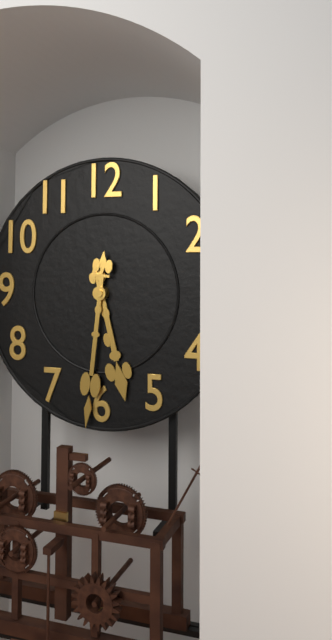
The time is 5,31
